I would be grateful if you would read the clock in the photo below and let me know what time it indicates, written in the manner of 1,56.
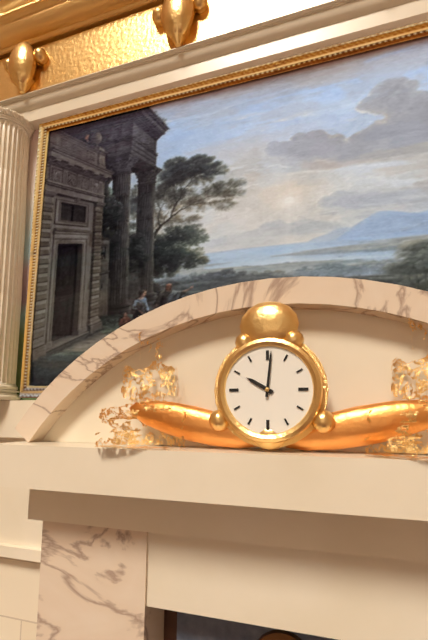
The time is 10,01
